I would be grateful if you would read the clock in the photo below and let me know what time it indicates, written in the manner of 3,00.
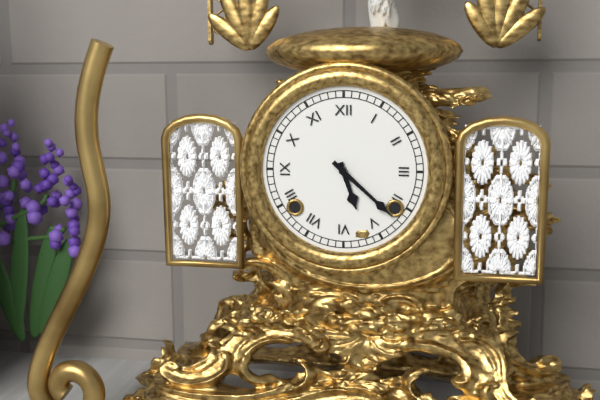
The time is 5,22
